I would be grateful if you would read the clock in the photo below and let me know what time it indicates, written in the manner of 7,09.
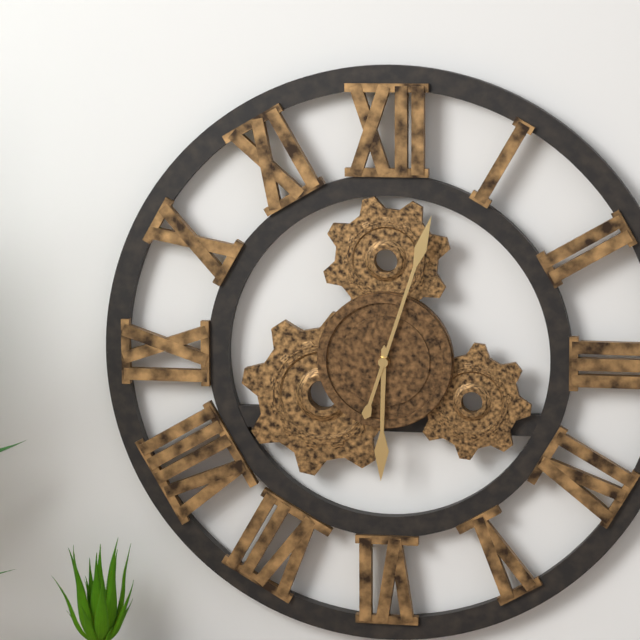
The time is 6,03
